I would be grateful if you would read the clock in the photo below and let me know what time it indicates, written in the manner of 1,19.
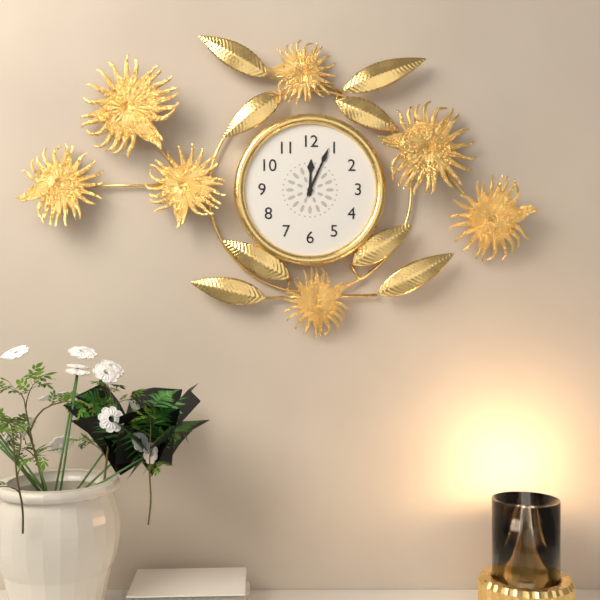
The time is 12,04
